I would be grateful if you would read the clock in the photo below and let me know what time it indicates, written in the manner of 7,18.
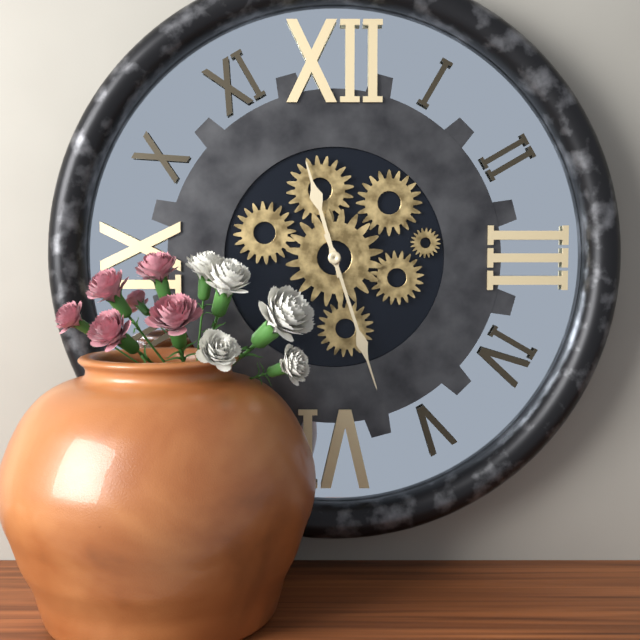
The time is 11,27
